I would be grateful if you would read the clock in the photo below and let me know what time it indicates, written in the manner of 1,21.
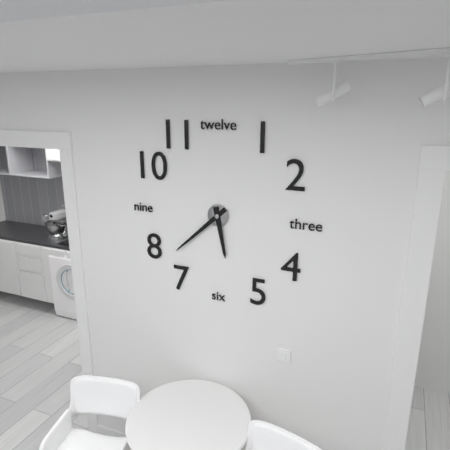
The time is 5,38
